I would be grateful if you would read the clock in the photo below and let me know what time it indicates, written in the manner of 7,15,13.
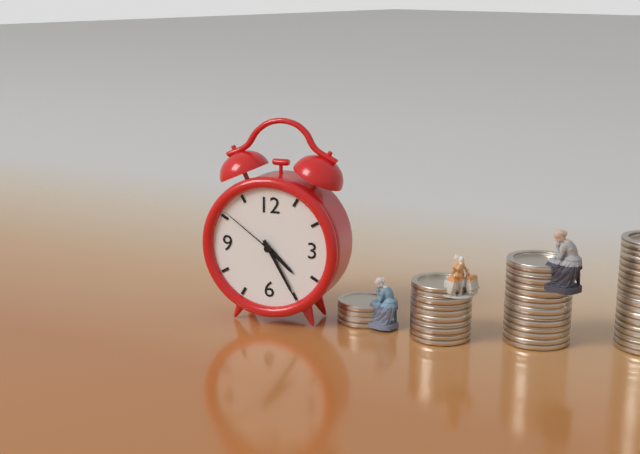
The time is 4,25,51
